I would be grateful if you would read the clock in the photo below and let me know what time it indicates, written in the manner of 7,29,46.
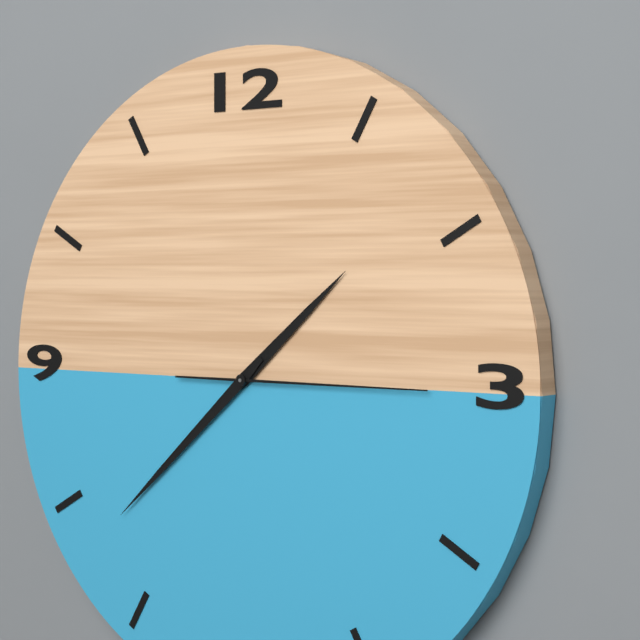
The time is 1,38,15
